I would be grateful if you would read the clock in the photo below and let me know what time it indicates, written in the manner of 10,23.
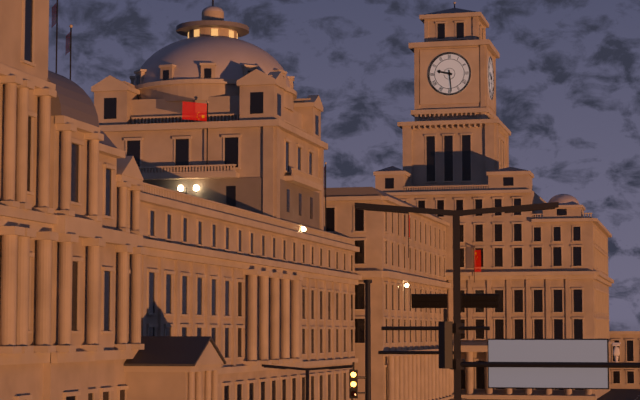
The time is 9,29
